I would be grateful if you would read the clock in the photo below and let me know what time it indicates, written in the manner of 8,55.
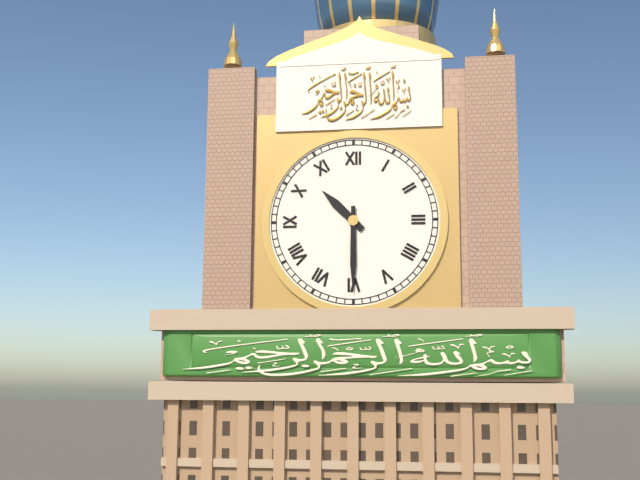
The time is 10,30
